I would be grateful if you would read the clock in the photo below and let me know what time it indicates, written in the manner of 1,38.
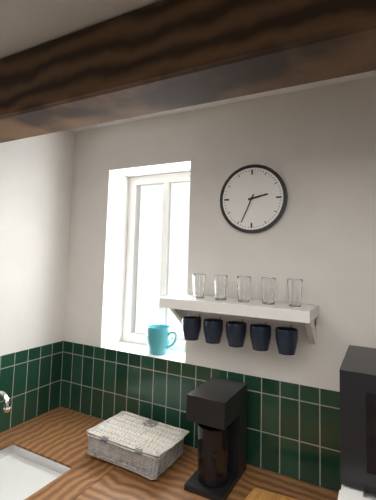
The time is 2,34
